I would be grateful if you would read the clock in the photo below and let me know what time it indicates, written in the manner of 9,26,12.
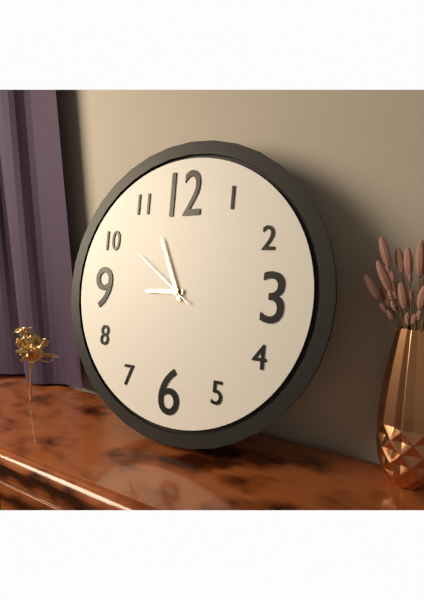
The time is 8,56,51
